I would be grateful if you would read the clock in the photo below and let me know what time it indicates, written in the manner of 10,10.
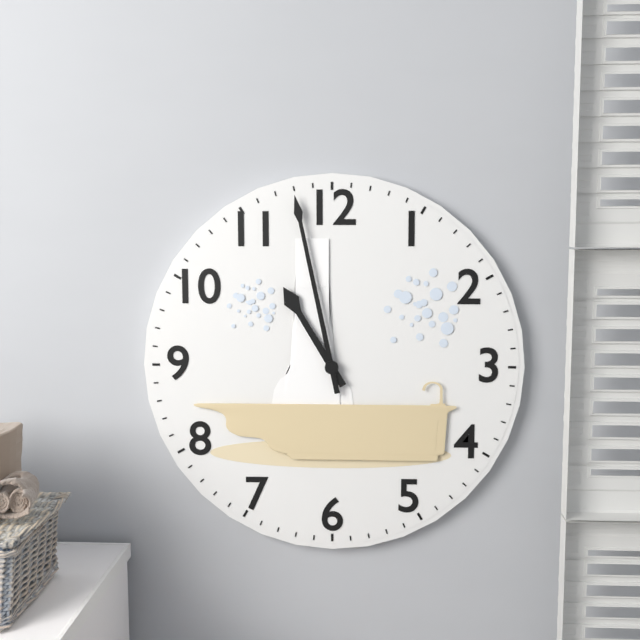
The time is 10,58
